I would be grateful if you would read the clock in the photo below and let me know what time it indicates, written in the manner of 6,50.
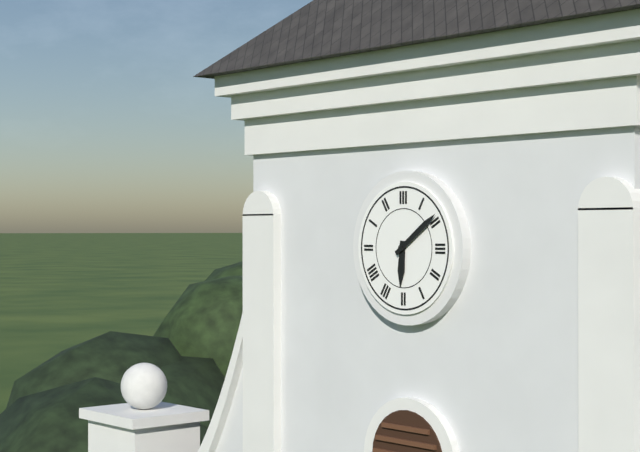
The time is 6,09
